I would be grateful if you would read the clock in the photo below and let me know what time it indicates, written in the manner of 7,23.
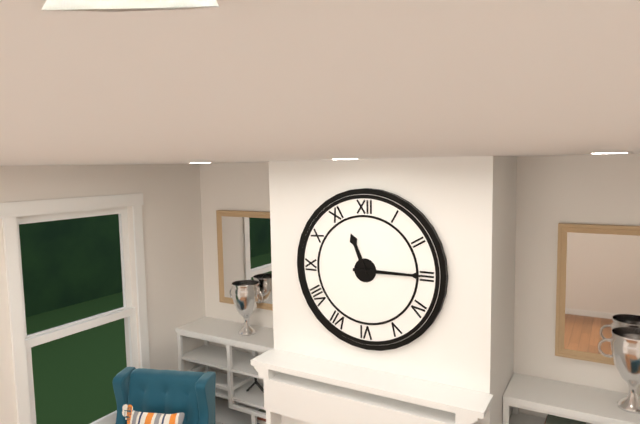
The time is 11,15
